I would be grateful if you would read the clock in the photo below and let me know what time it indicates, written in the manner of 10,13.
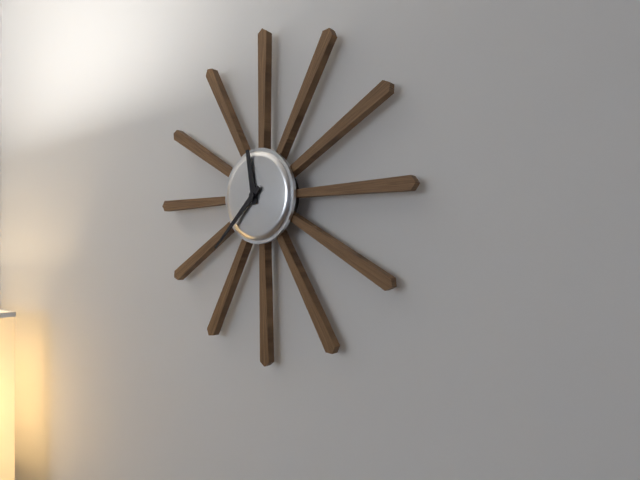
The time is 11,38
